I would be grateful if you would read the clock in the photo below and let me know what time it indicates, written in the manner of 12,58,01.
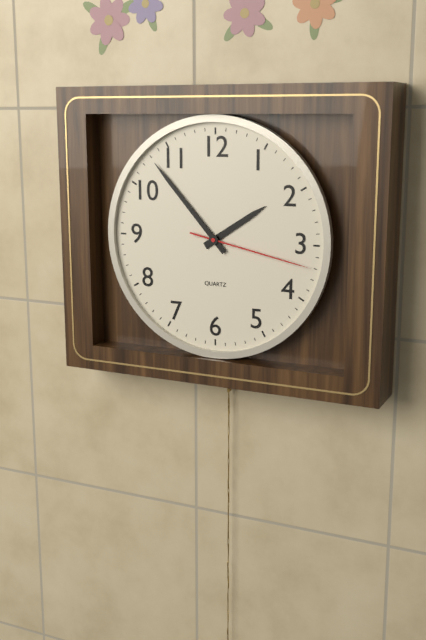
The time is 1,53,17
